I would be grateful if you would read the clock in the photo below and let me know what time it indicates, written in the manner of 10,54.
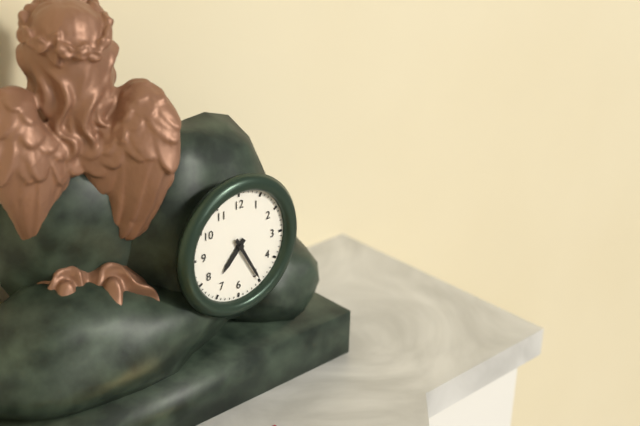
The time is 7,25
